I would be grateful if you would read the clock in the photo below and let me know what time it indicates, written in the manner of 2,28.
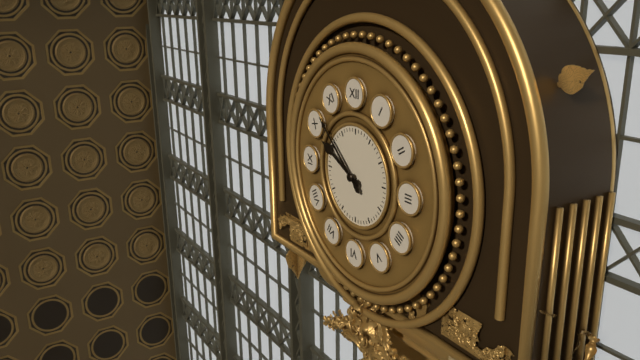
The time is 9,52
